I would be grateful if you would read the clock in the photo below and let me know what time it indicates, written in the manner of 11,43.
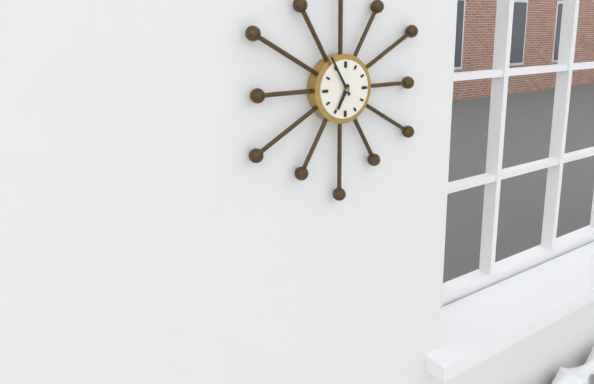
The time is 6,55
